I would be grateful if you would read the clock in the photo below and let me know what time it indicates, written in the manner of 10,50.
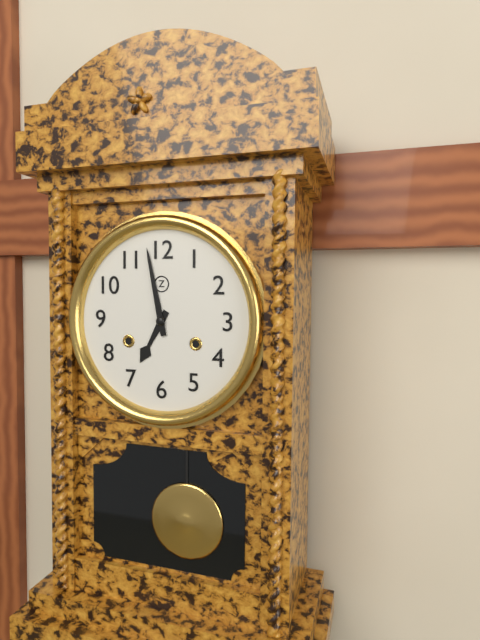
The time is 6,58
